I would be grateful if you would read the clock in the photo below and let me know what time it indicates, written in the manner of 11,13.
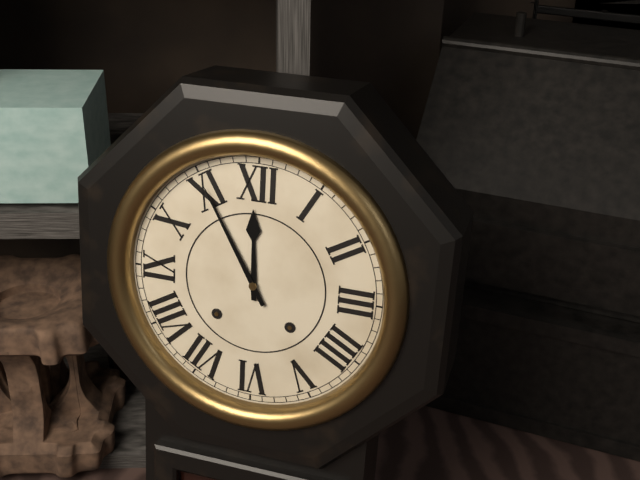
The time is 11,55
